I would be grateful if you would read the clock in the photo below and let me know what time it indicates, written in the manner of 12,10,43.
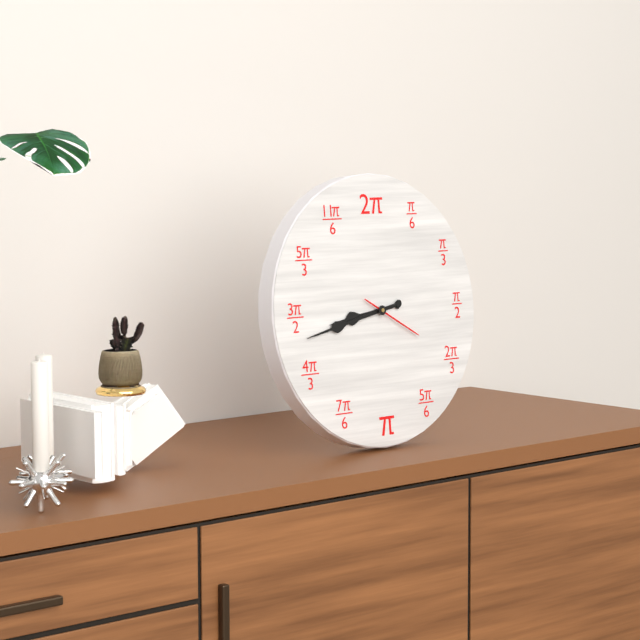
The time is 8,43,20
